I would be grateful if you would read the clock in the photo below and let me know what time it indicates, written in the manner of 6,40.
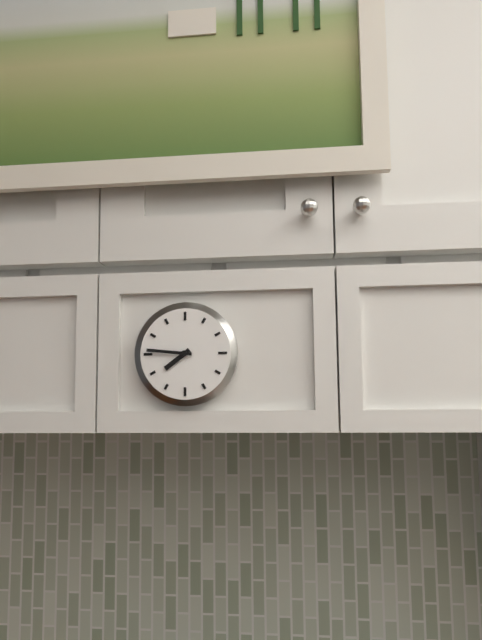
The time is 7,46
